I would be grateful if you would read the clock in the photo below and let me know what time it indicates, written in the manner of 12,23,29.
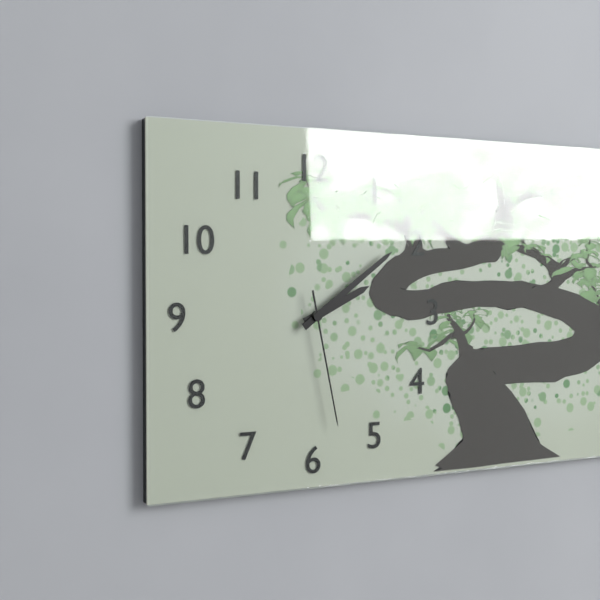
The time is 2,09,28
